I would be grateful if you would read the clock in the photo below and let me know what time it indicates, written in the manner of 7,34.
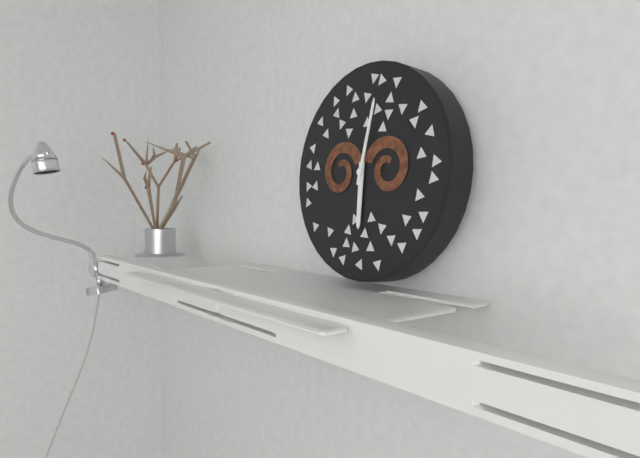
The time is 6,02
